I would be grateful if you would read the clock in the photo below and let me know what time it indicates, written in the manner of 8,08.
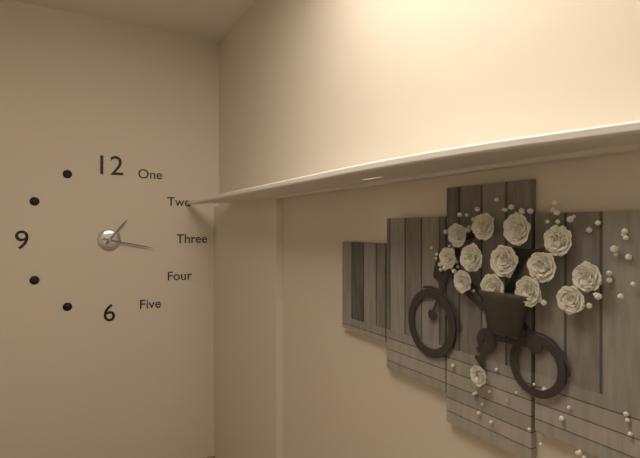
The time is 1,17
